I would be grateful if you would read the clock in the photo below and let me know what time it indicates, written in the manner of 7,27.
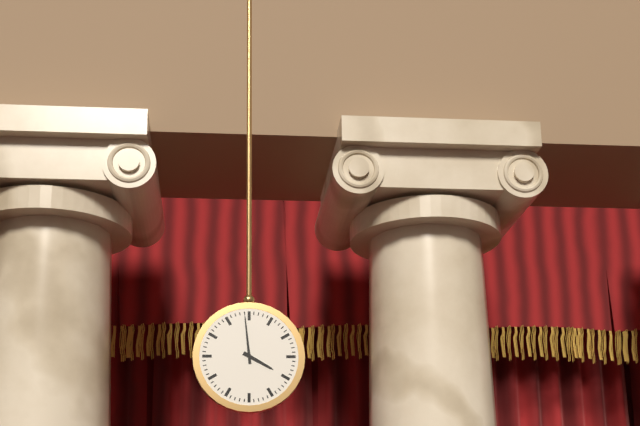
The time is 3,59
